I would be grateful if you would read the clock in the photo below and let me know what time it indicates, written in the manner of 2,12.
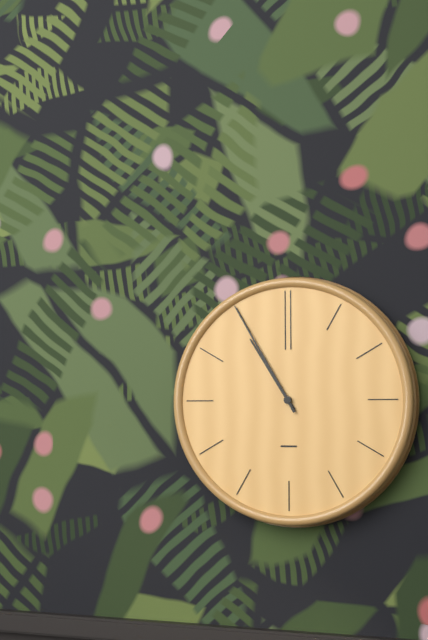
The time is 10,55
